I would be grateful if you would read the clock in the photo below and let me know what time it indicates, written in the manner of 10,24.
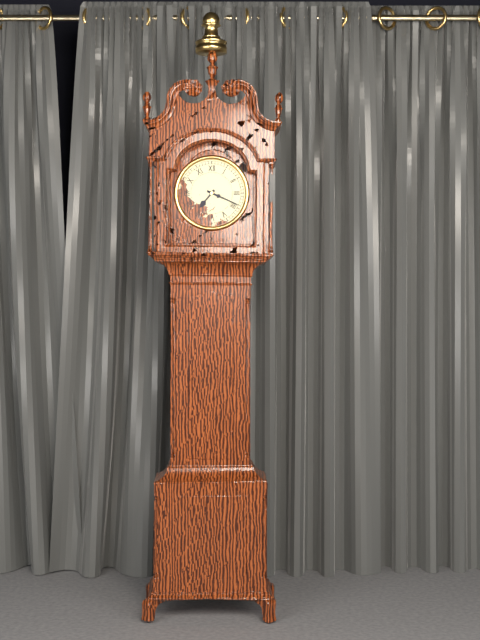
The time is 7,19
